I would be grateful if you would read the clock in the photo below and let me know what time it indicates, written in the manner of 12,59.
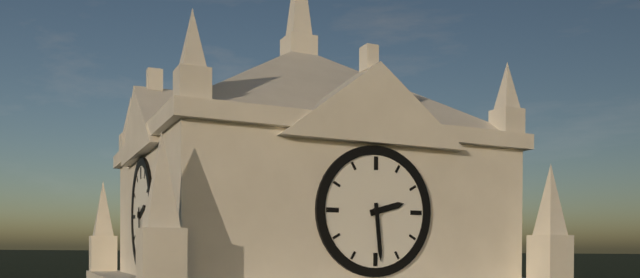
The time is 2,29
